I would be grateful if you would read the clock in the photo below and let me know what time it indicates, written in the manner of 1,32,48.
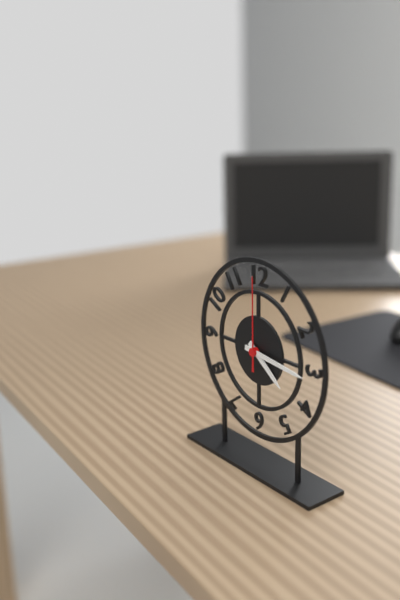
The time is 4,16,00
